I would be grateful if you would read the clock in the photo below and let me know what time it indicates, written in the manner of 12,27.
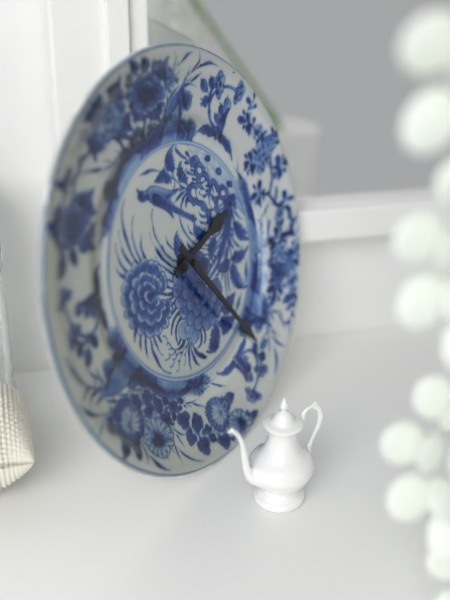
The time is 2,24
